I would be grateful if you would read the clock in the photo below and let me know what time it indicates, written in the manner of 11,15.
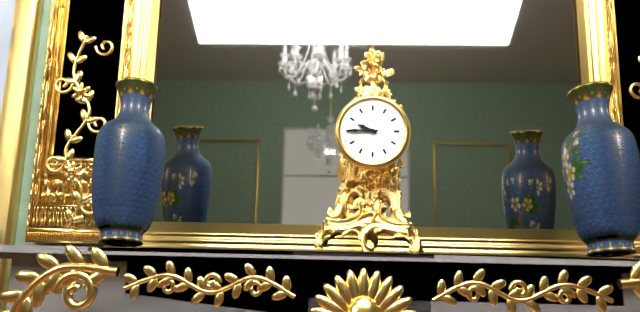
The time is 9,45
